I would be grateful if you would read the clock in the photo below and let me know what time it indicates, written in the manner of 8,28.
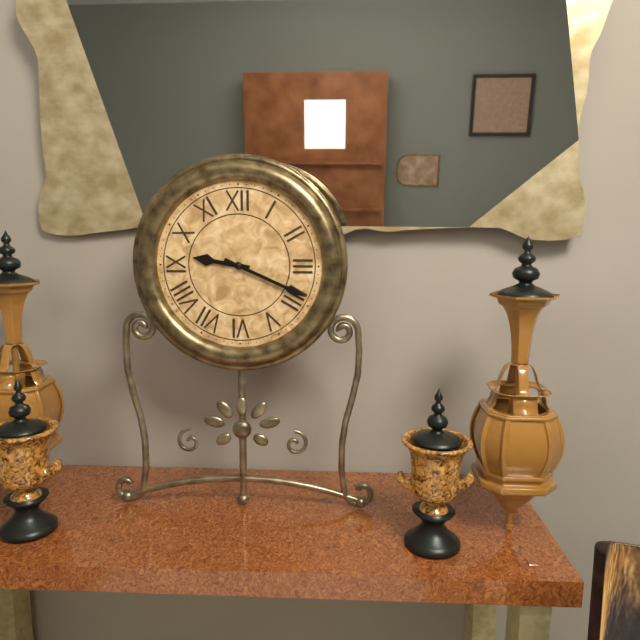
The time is 9,19
